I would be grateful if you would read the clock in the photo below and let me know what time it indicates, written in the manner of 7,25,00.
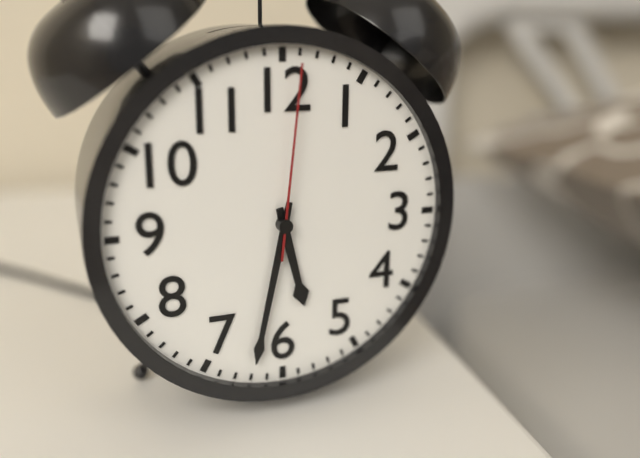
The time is 5,32,01
